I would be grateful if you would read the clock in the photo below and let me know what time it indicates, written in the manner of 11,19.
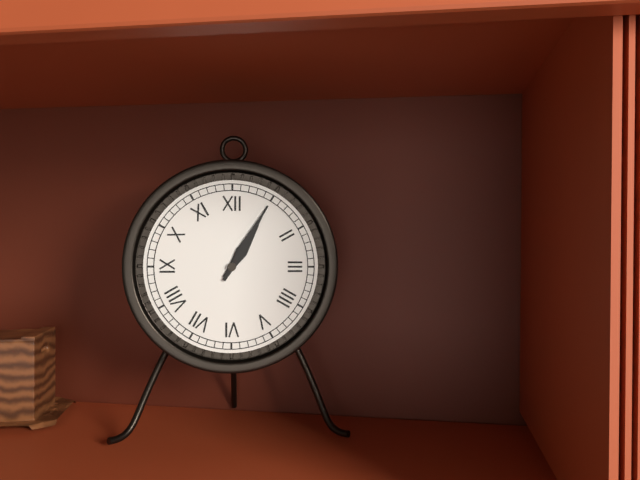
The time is 1,05
